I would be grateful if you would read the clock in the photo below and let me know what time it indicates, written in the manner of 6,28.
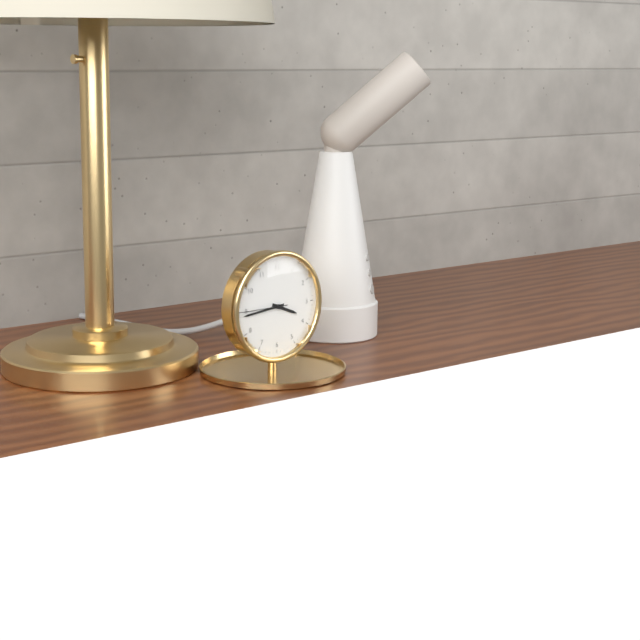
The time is 3,44
